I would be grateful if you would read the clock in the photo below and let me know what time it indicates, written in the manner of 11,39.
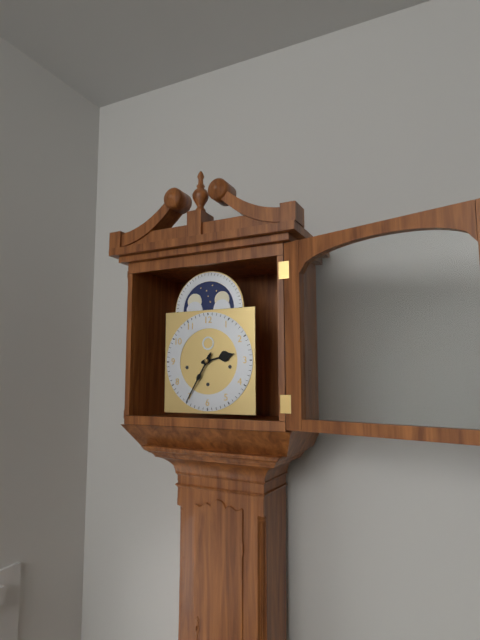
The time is 2,35
